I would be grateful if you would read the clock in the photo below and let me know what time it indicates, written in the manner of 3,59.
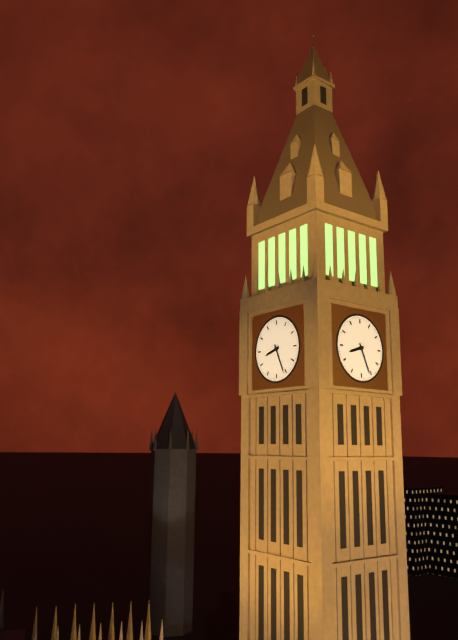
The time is 8,26
